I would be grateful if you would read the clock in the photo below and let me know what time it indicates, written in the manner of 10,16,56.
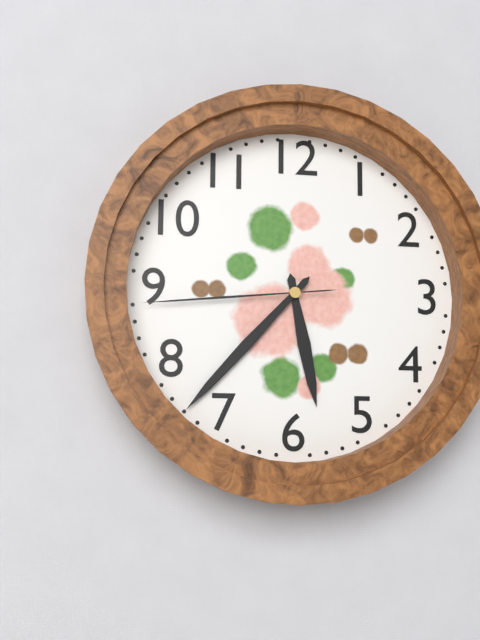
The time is 5,37,44
